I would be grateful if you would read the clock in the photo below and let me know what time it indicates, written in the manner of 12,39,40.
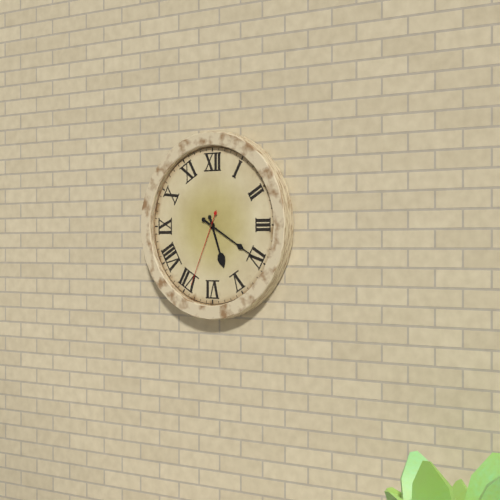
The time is 5,20,34
